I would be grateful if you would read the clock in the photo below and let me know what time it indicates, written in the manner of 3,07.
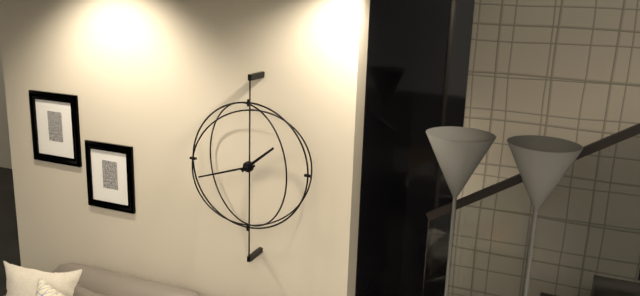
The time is 1,42
